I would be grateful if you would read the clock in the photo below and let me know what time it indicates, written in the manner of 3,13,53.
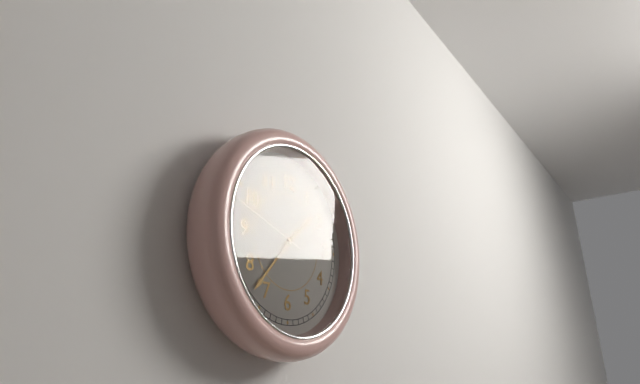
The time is 1,37,48
